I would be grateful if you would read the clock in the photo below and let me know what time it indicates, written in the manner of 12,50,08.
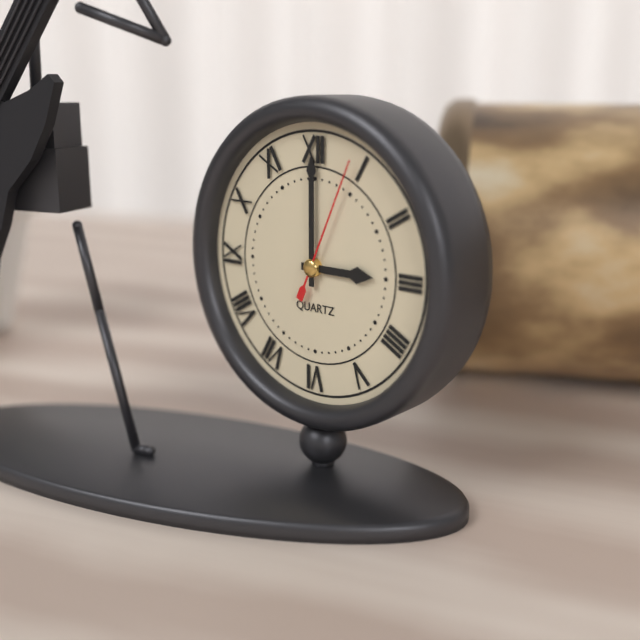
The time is 3,00,04
